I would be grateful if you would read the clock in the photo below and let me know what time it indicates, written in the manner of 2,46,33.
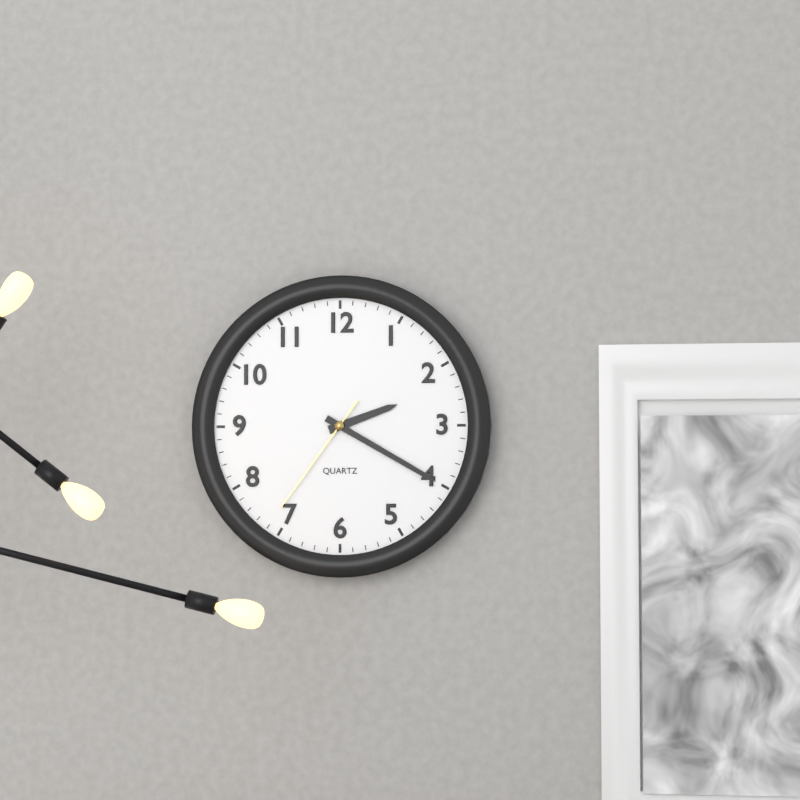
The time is 2,20,36
